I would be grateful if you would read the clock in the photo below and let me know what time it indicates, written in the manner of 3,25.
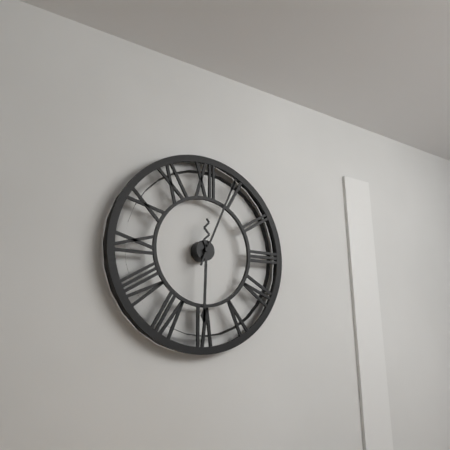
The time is 6,04
